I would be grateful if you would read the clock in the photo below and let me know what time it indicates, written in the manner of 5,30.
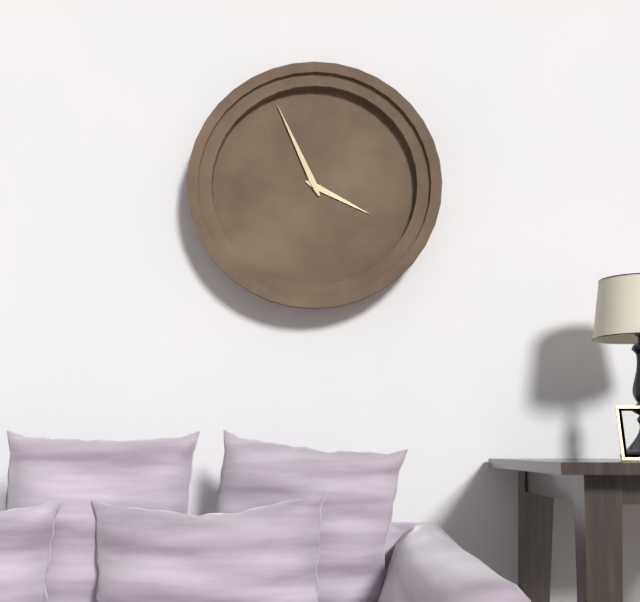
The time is 3,56
